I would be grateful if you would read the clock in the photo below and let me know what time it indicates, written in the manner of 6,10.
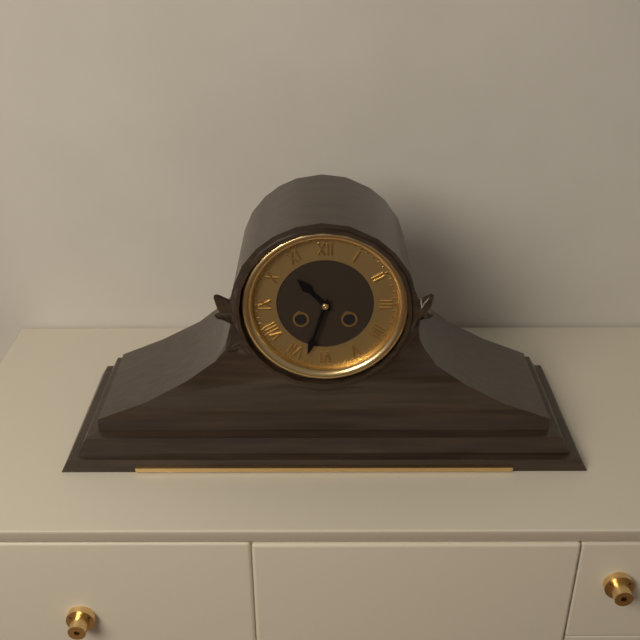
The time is 10,33
